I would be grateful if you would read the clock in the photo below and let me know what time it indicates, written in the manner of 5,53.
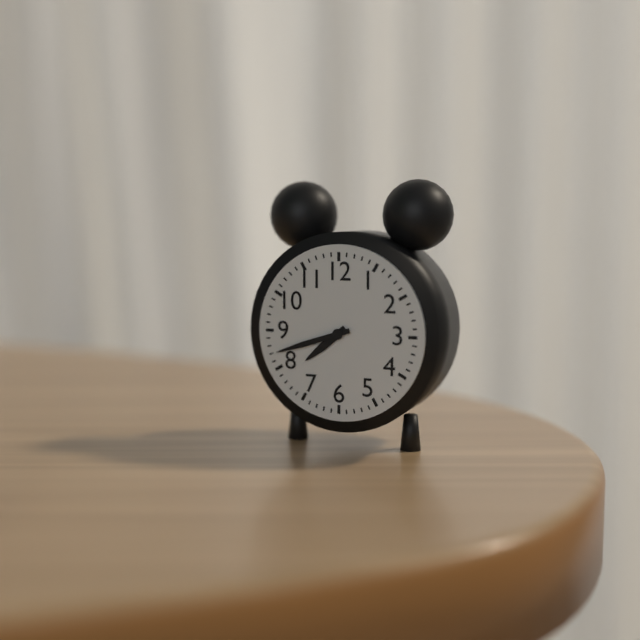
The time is 7,42
